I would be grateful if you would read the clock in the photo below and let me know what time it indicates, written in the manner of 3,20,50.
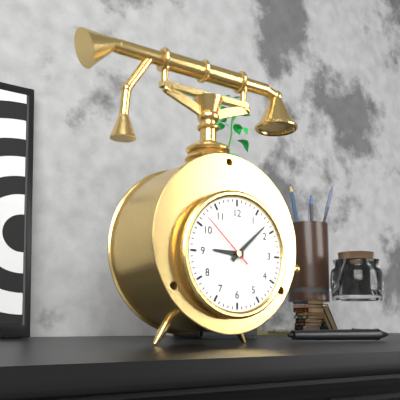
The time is 9,08,52
